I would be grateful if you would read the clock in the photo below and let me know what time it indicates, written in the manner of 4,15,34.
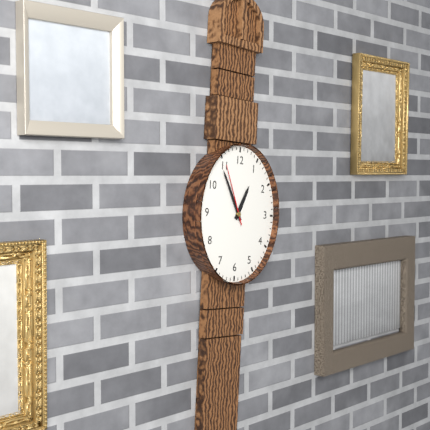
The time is 12,55,56
